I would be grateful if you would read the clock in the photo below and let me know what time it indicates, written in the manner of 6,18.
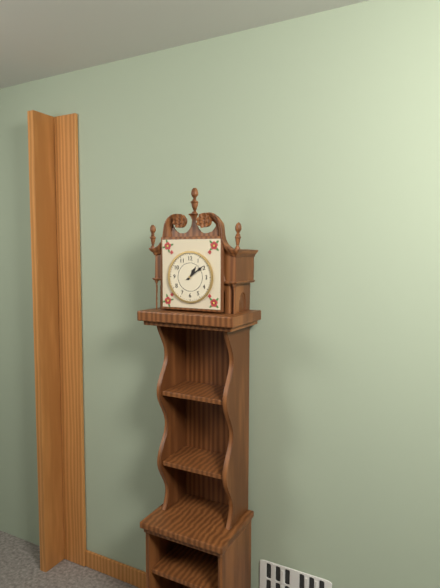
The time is 1,09
